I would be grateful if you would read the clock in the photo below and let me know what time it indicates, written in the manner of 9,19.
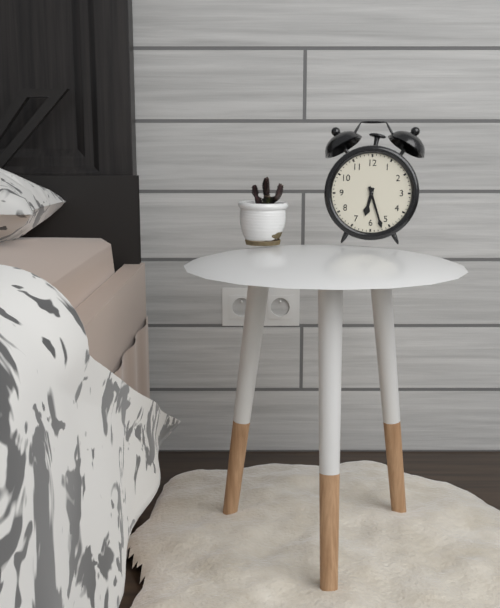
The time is 6,27
